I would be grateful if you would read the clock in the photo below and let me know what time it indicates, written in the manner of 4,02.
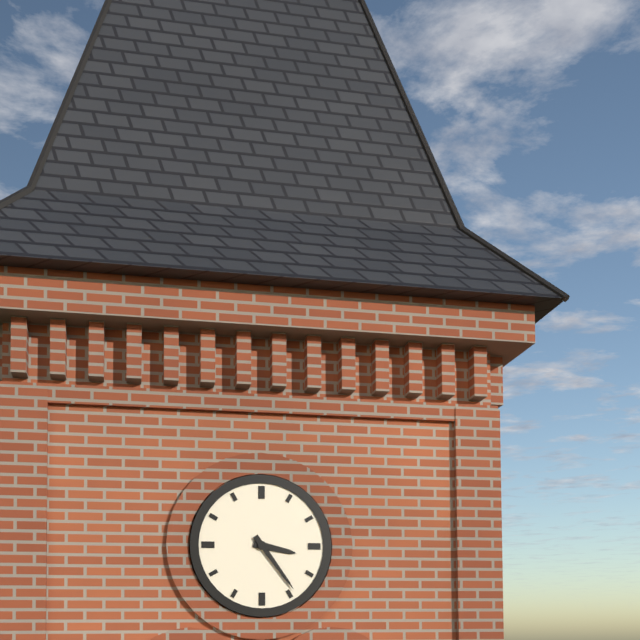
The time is 3,24
